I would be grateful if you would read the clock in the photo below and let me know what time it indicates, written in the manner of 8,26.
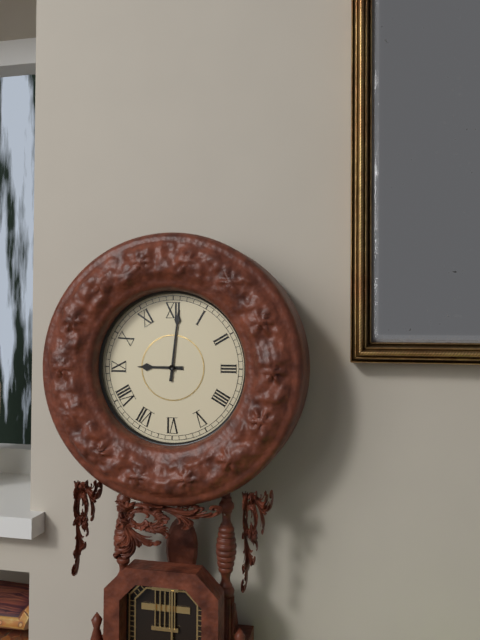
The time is 9,01
